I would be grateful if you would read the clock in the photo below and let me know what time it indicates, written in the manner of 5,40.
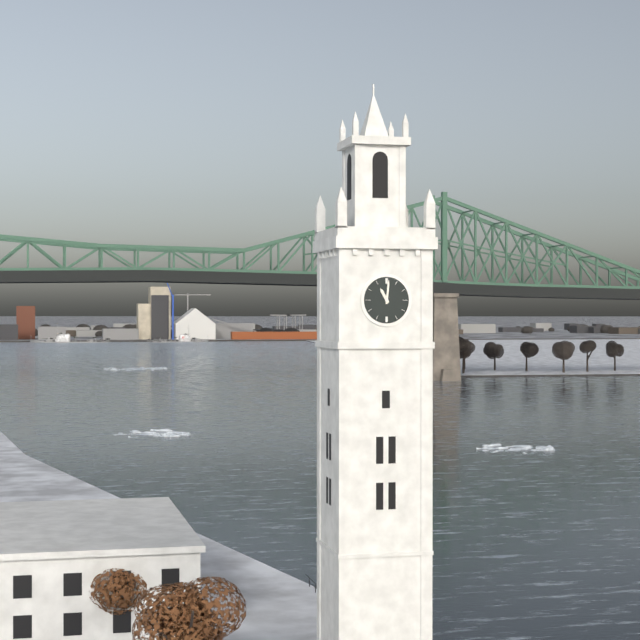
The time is 11,01
